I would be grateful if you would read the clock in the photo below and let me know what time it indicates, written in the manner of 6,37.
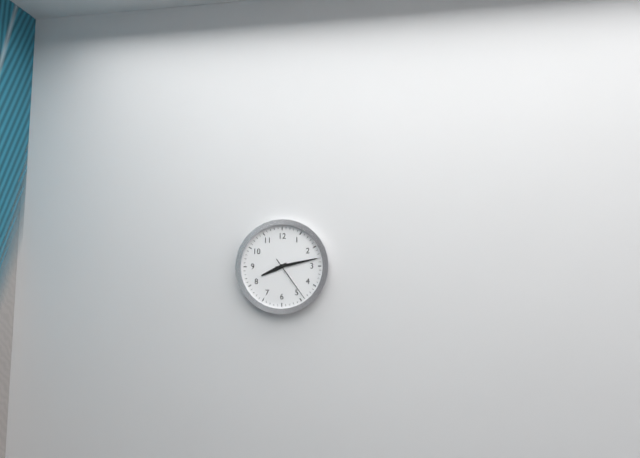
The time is 8,13
